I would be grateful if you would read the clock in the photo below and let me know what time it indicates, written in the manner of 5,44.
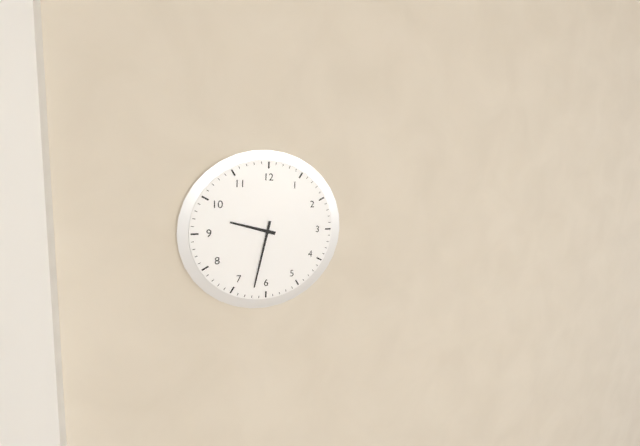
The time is 9,32
